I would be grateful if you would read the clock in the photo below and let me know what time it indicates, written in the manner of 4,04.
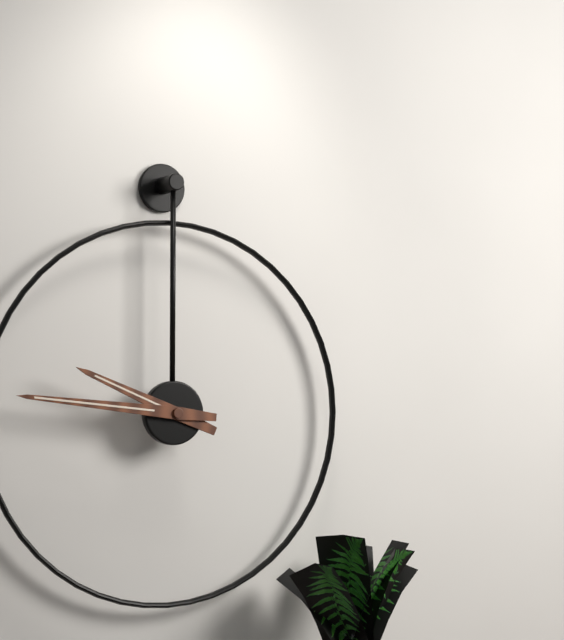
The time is 9,46
